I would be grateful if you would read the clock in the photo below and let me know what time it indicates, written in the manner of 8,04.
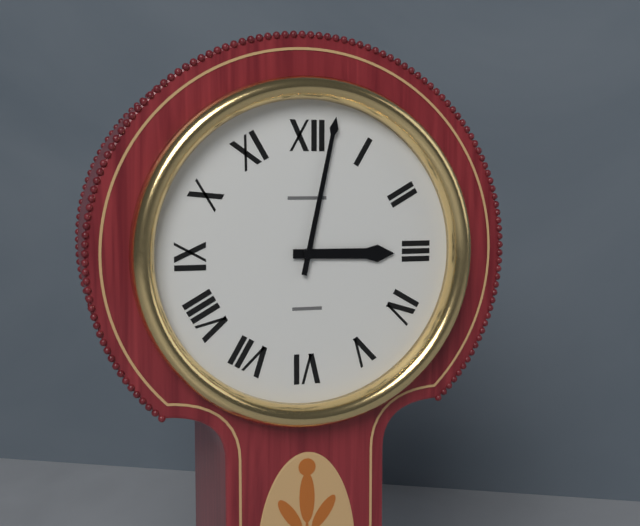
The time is 3,02
